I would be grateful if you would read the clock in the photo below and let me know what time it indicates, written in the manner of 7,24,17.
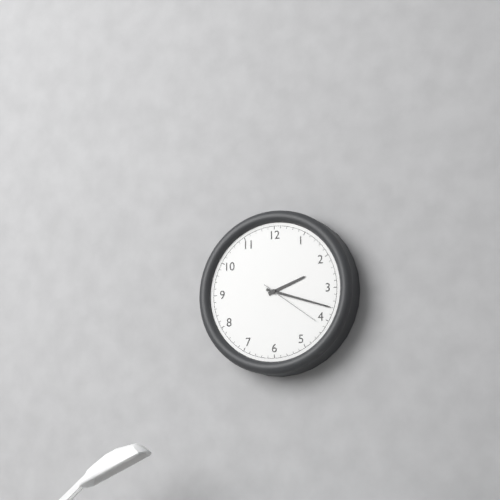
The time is 2,18,21
